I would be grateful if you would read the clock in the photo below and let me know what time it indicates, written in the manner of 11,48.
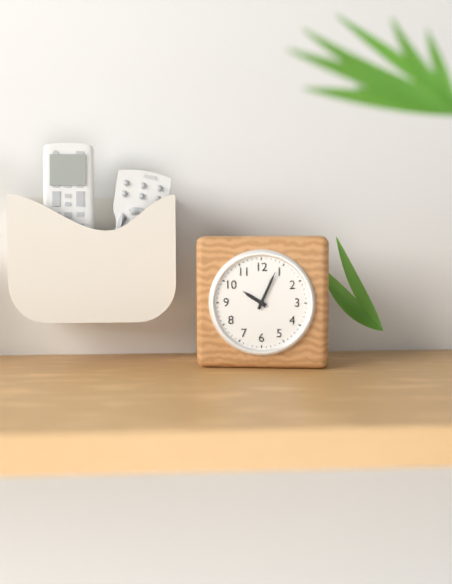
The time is 10,04
